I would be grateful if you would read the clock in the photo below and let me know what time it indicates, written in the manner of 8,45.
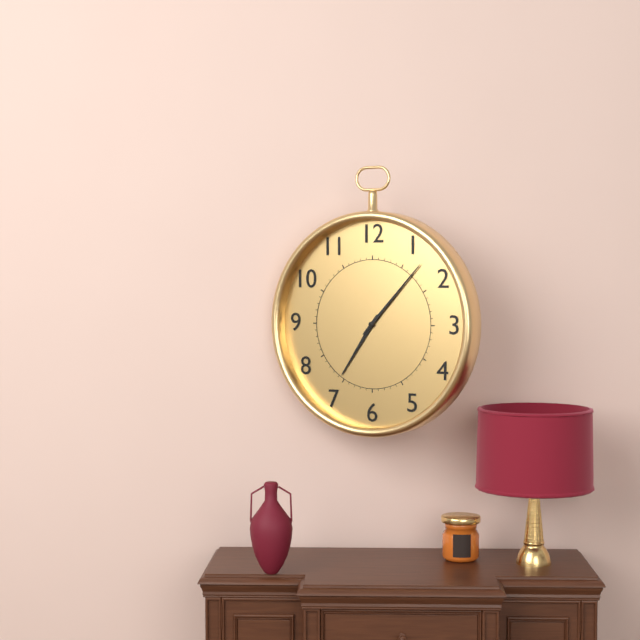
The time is 7,07
